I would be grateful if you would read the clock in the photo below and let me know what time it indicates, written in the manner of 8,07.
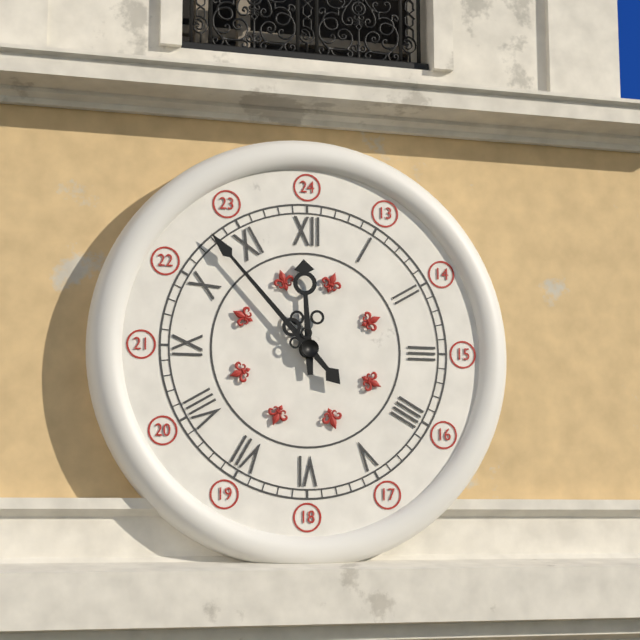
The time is 11,53
